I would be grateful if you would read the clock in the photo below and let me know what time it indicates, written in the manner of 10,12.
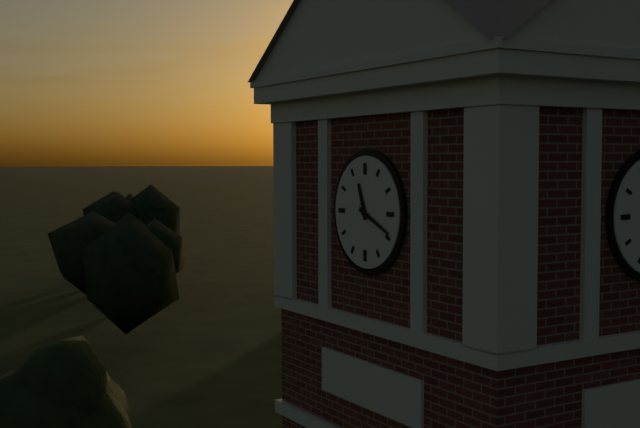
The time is 11,19
